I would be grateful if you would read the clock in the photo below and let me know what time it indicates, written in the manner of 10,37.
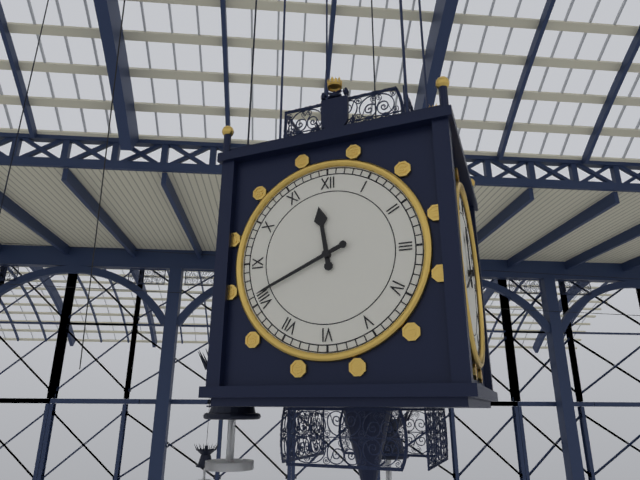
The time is 11,41
